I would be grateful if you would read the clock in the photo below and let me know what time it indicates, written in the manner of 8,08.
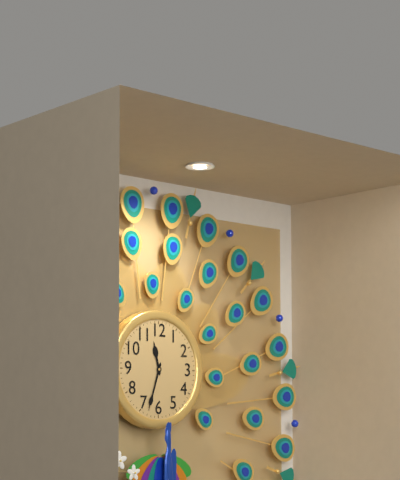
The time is 11,33
